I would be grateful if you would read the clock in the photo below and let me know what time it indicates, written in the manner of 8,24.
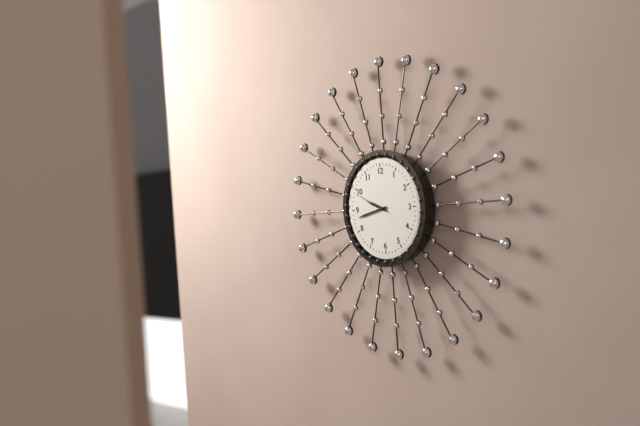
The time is 9,43
